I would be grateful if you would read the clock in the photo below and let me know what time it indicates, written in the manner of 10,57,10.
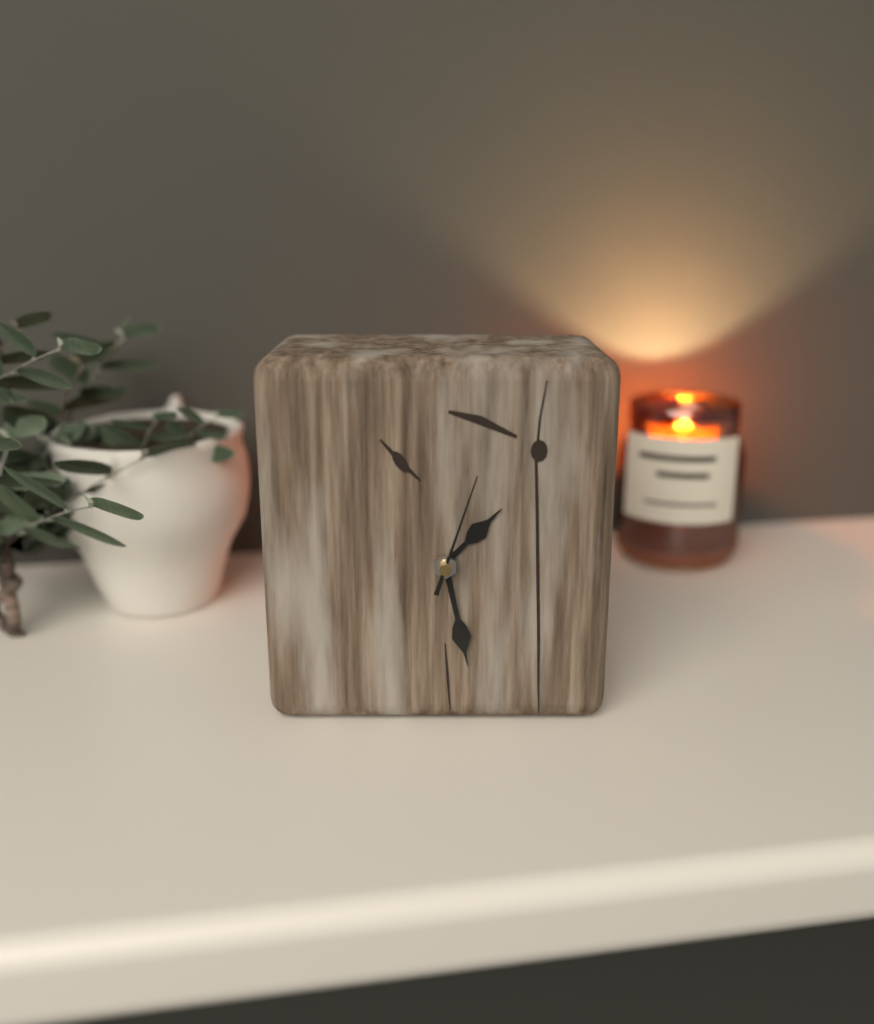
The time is 1,28,03
